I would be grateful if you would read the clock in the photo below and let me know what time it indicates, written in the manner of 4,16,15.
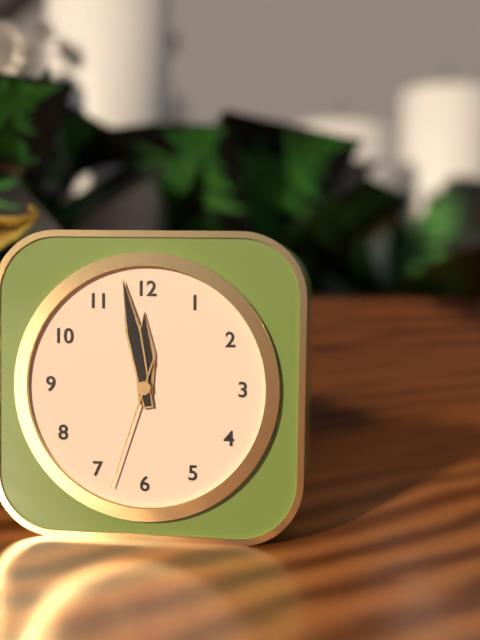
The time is 11,58,33
